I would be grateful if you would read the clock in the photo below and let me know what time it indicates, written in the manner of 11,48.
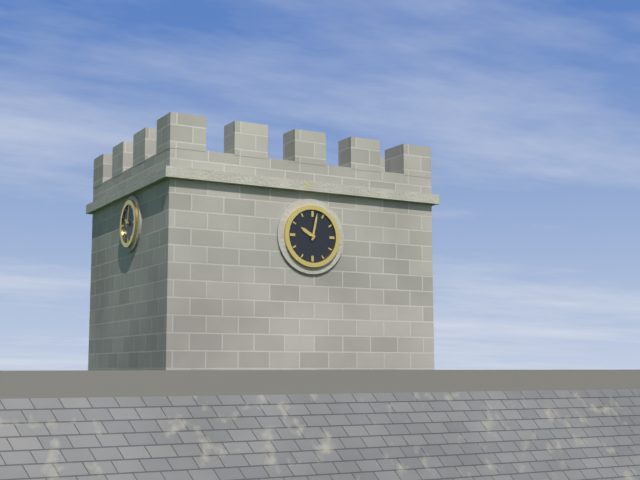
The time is 10,02
